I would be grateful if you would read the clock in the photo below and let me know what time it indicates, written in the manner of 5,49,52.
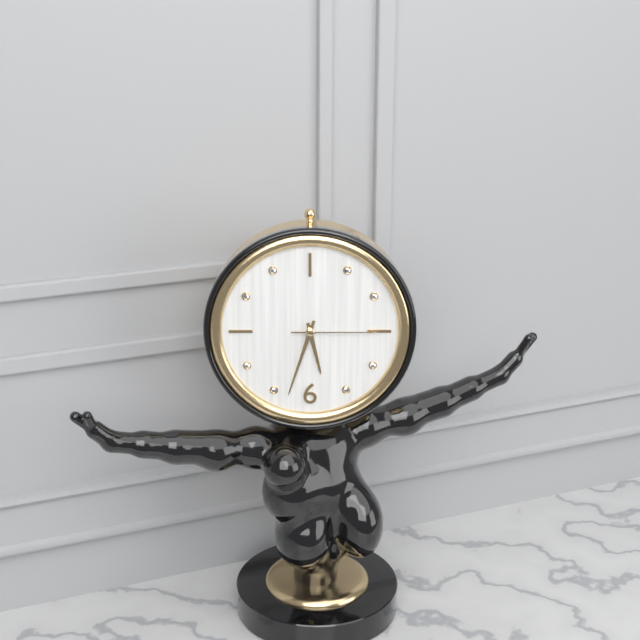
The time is 5,33,15
